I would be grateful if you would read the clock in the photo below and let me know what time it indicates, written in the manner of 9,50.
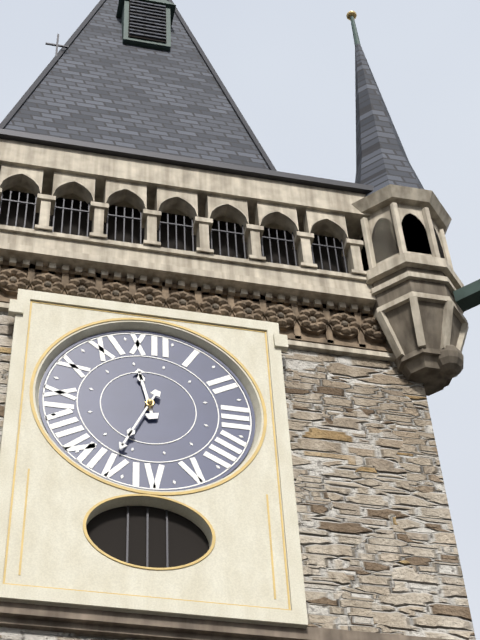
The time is 11,34
